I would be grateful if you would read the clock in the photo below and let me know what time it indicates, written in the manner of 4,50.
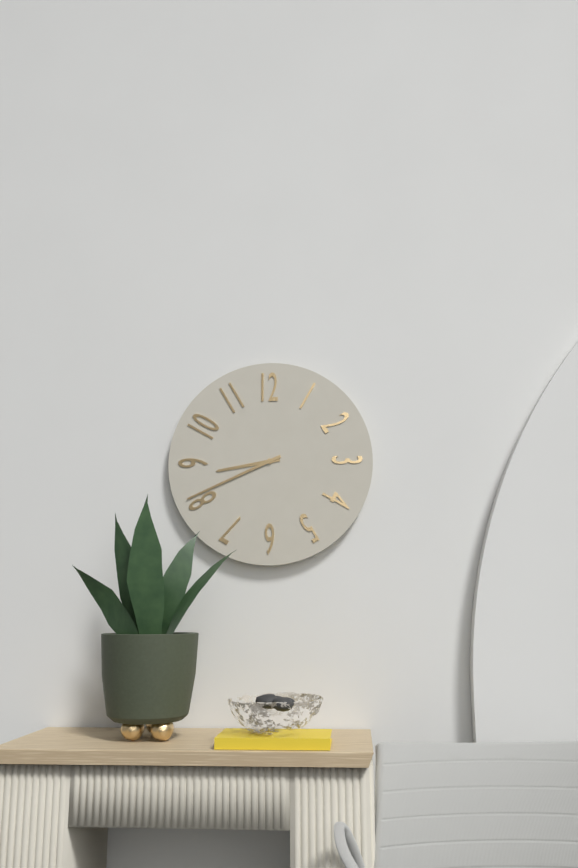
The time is 8,41
